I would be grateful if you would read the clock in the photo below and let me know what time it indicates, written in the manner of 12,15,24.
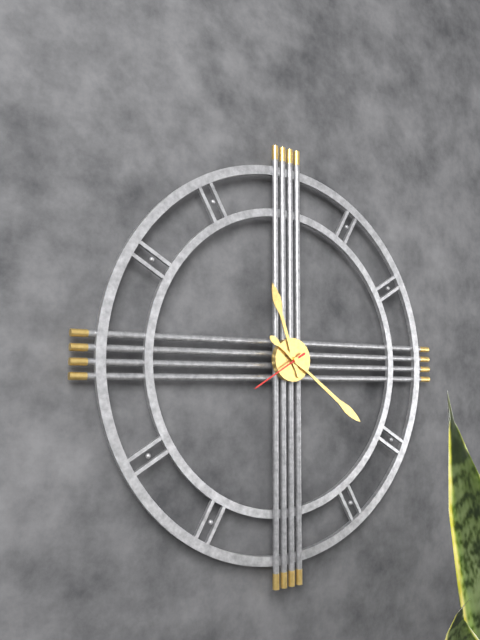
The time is 11,21,40
